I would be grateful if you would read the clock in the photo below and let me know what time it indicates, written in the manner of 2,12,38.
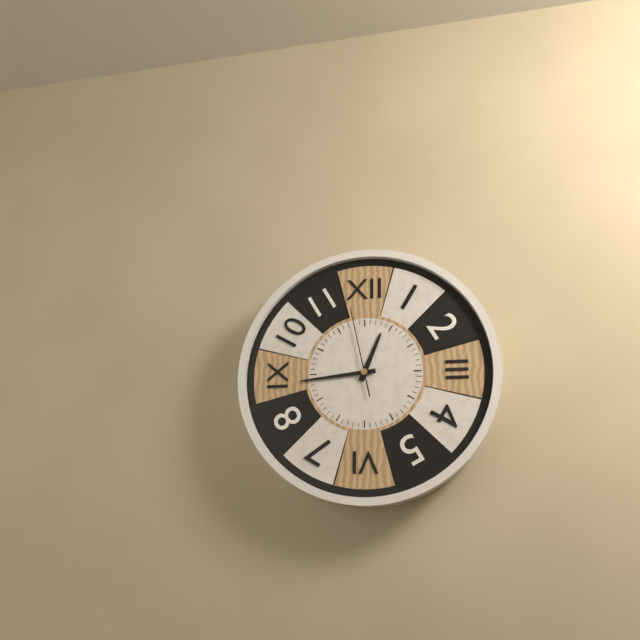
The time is 12,44,58
